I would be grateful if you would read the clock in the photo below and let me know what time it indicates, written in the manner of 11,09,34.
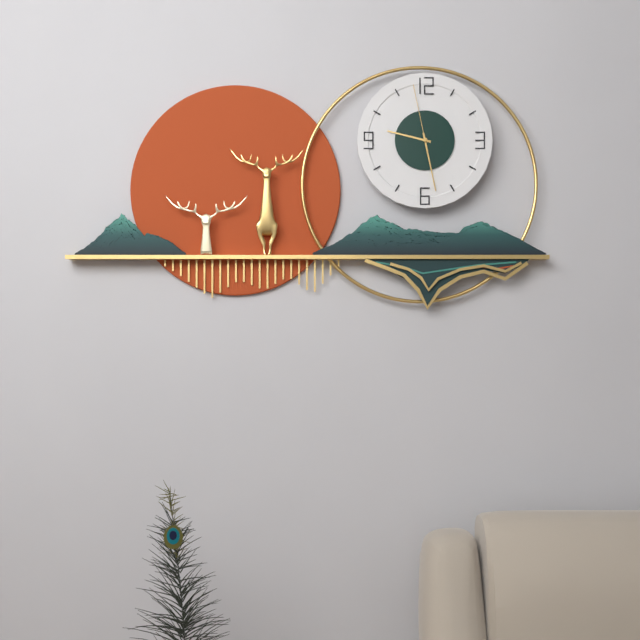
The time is 9,28,58
